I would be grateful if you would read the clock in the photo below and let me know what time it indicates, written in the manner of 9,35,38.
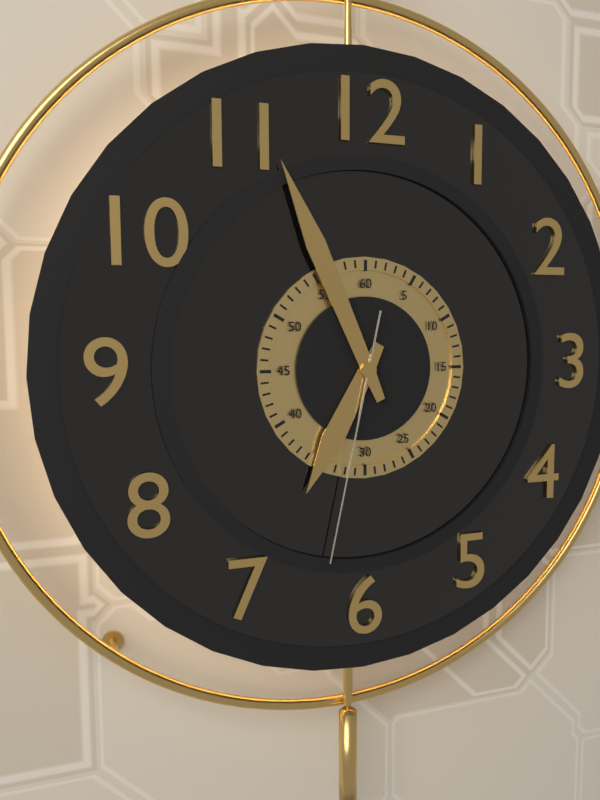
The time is 6,56,32
